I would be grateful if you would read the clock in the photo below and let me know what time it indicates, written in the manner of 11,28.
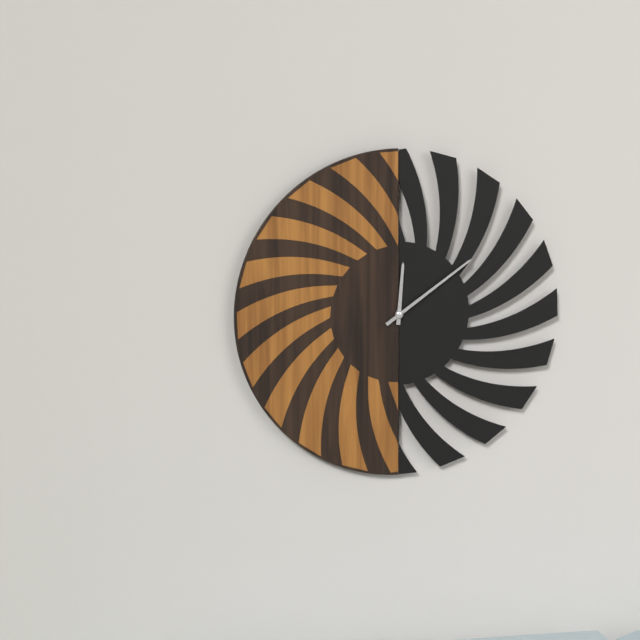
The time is 12,09
